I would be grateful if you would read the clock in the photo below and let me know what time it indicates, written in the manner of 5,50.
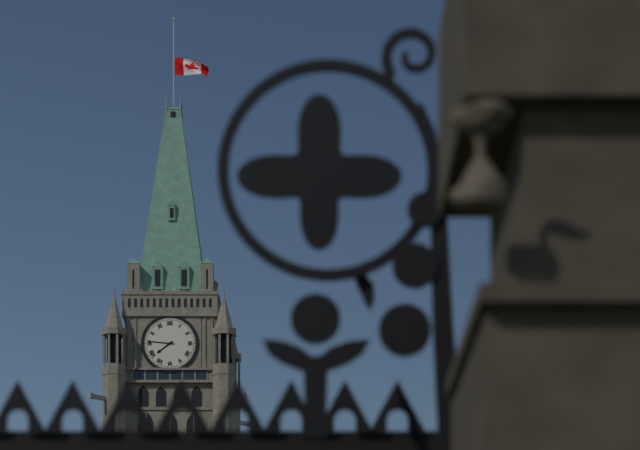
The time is 7,46
